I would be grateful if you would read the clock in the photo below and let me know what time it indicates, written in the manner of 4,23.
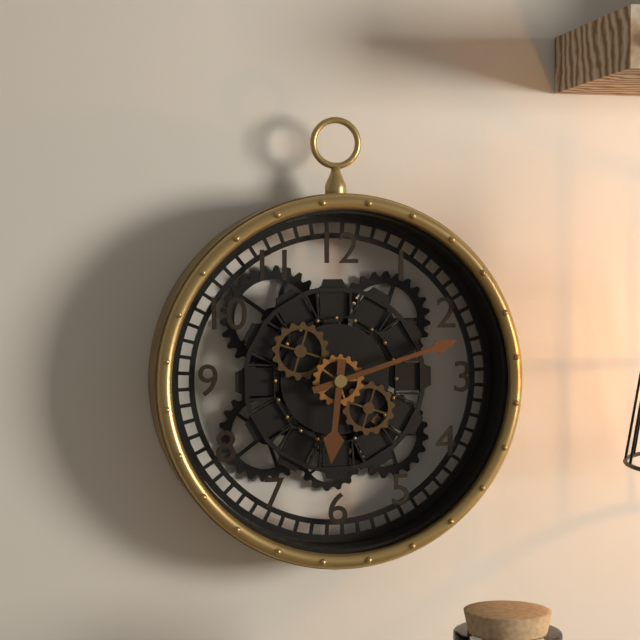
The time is 6,12
